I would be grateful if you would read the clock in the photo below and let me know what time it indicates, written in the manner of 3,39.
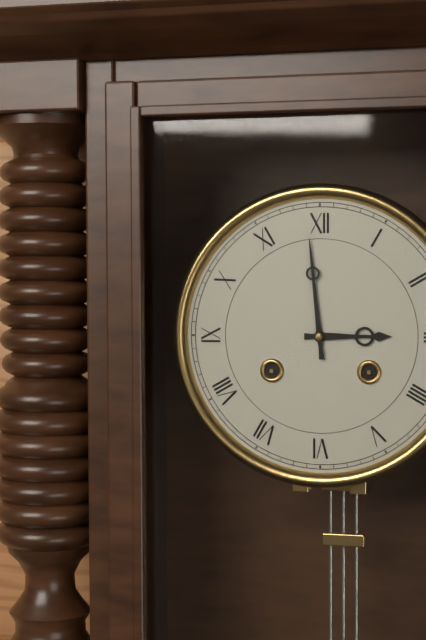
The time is 2,59
